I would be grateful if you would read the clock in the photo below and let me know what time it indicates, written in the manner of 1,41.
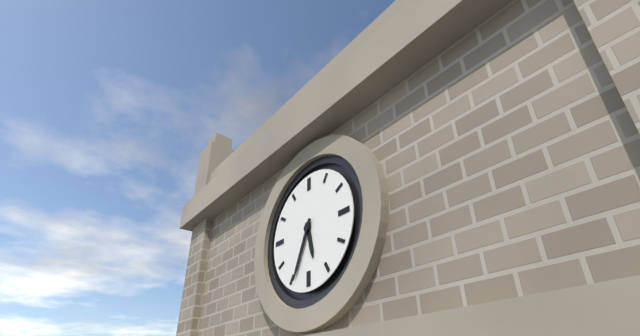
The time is 5,34
